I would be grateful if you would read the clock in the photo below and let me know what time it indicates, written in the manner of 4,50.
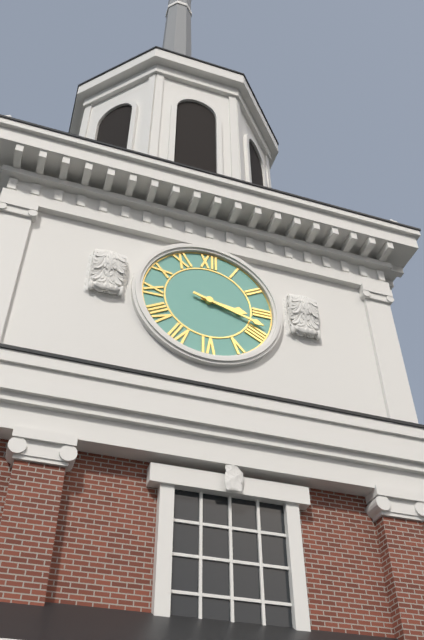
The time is 3,18
